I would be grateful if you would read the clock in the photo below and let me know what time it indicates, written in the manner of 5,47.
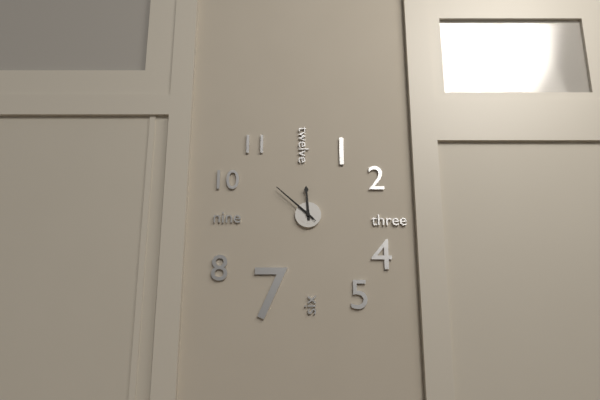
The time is 11,52
